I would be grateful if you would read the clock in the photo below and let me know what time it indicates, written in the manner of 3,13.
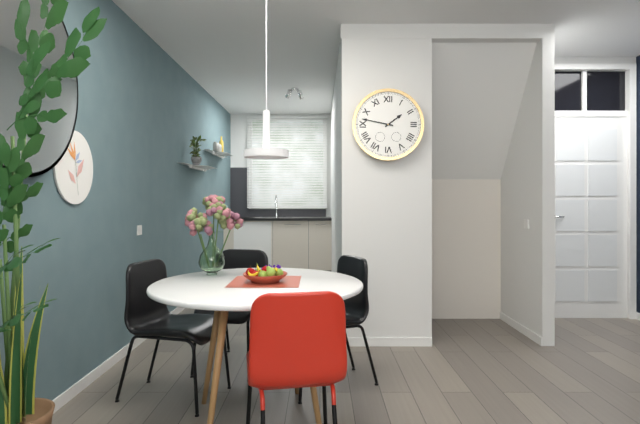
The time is 1,47
